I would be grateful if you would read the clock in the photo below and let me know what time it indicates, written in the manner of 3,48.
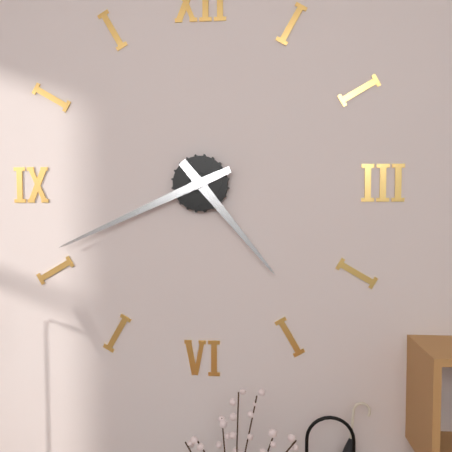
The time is 4,41
